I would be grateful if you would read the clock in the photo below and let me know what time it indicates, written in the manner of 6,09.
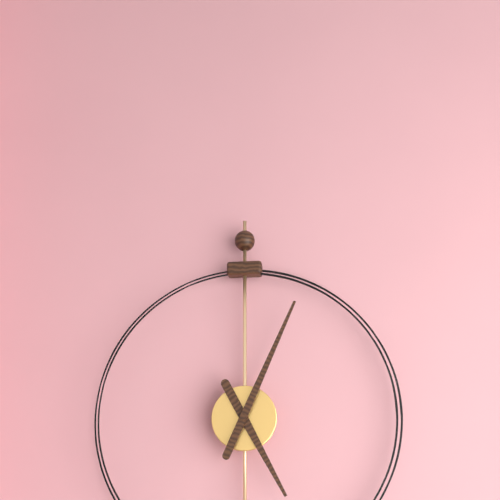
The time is 5,04
